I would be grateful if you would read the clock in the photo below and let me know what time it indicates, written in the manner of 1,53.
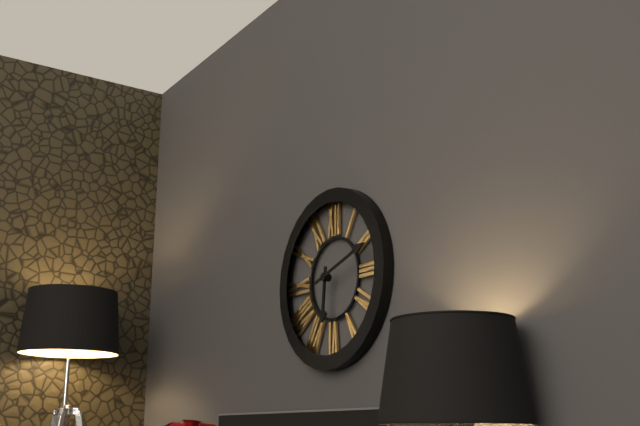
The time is 6,12
